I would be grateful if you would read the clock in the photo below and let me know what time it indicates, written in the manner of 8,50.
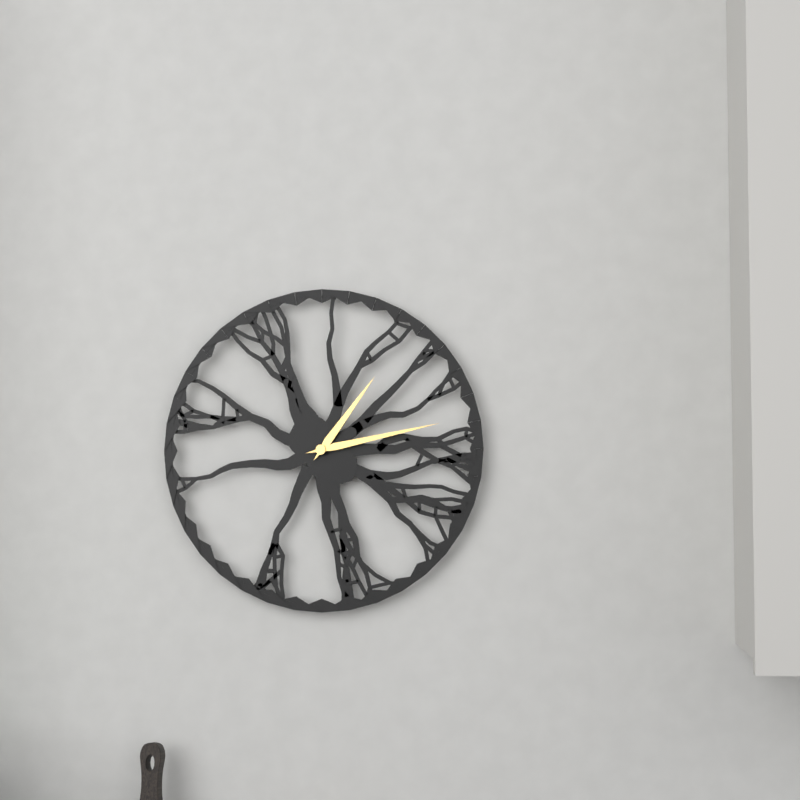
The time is 1,13
